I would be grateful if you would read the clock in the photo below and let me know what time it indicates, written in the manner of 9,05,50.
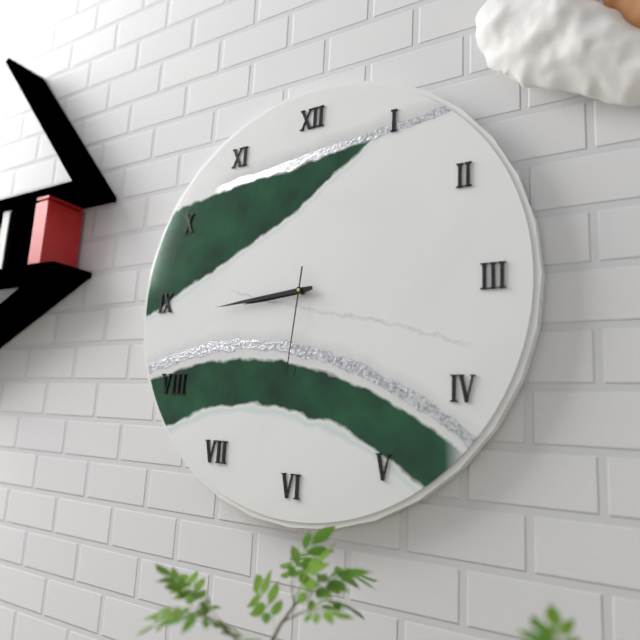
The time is 8,44,31
